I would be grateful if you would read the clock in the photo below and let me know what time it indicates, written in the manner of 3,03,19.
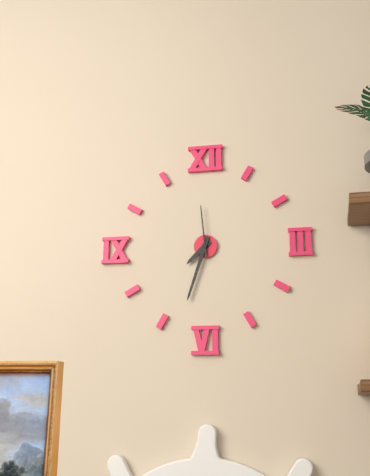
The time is 7,33,59
